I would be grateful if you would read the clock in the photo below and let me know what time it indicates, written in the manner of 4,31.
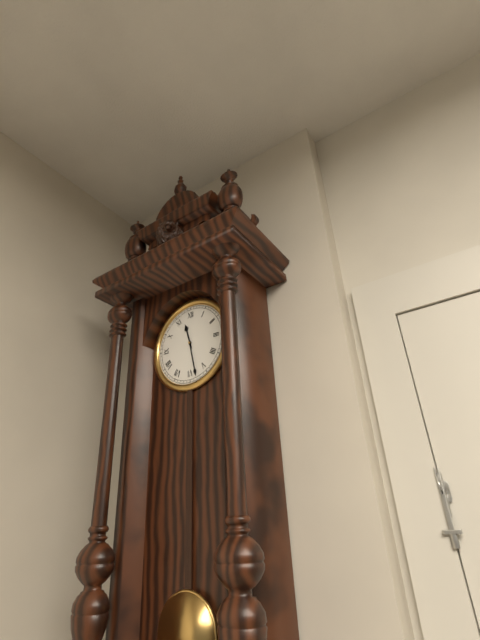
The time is 11,28
